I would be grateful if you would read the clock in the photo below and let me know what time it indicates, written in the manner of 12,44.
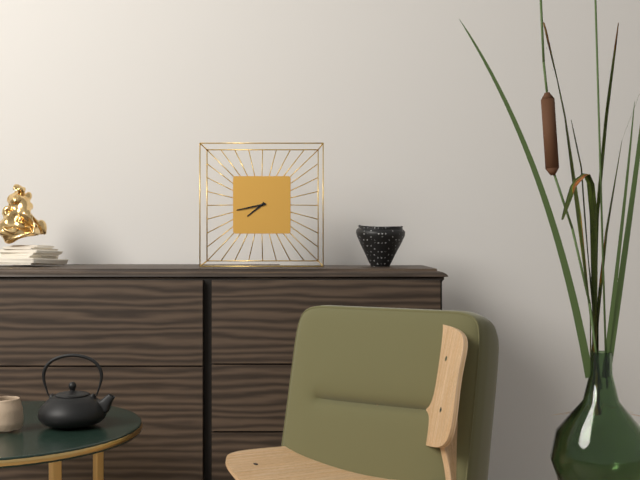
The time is 7,43
